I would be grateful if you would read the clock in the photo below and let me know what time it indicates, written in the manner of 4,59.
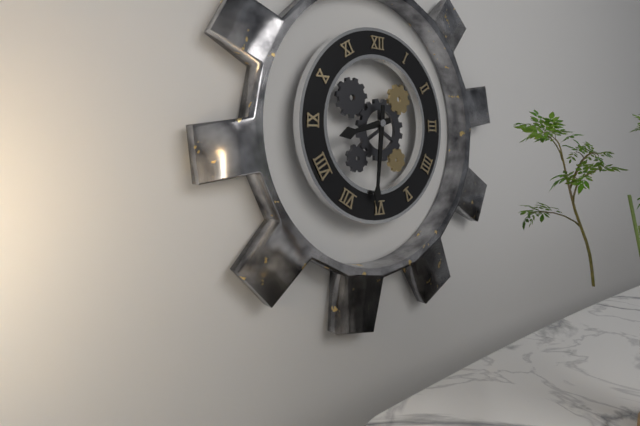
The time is 8,31
